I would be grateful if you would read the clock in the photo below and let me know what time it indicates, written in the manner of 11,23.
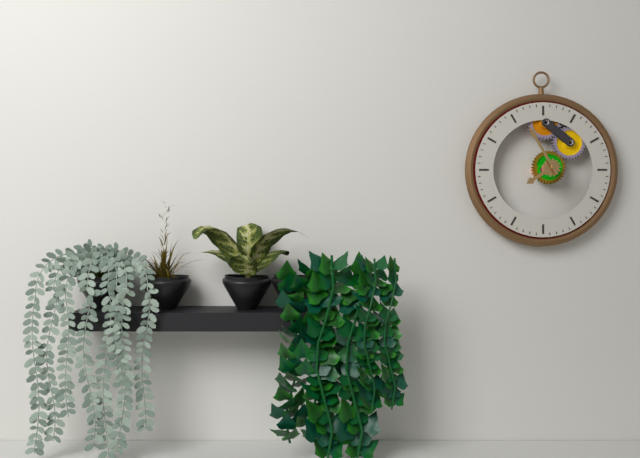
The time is 7,55
